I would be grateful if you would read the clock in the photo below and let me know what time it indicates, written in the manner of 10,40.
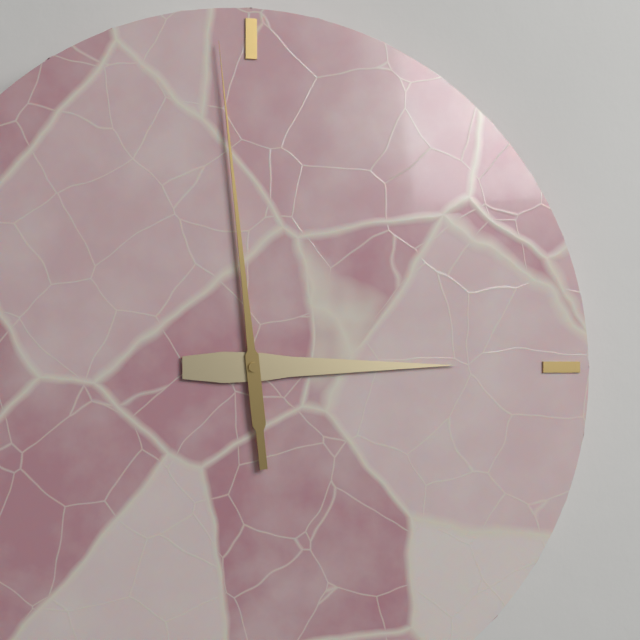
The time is 2,59
